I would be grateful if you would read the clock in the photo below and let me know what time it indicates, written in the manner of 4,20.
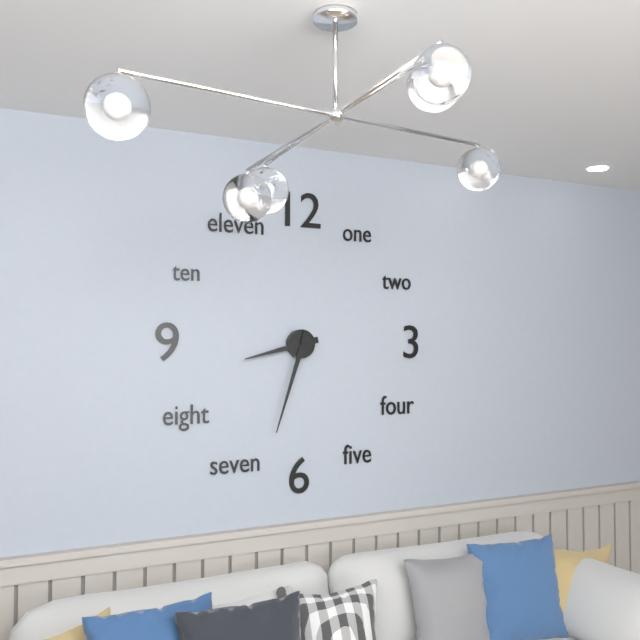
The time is 8,33
